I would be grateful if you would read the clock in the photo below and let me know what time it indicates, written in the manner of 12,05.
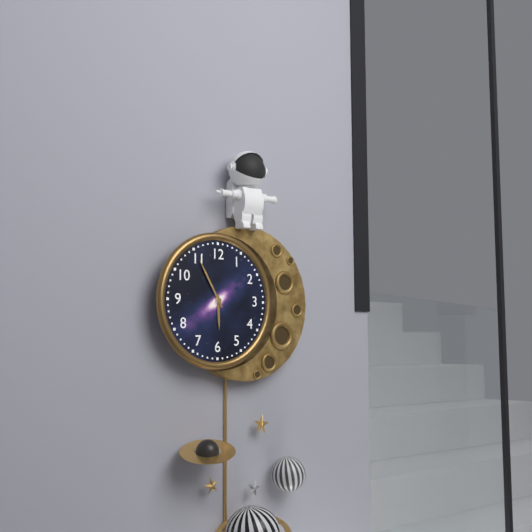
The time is 5,55
